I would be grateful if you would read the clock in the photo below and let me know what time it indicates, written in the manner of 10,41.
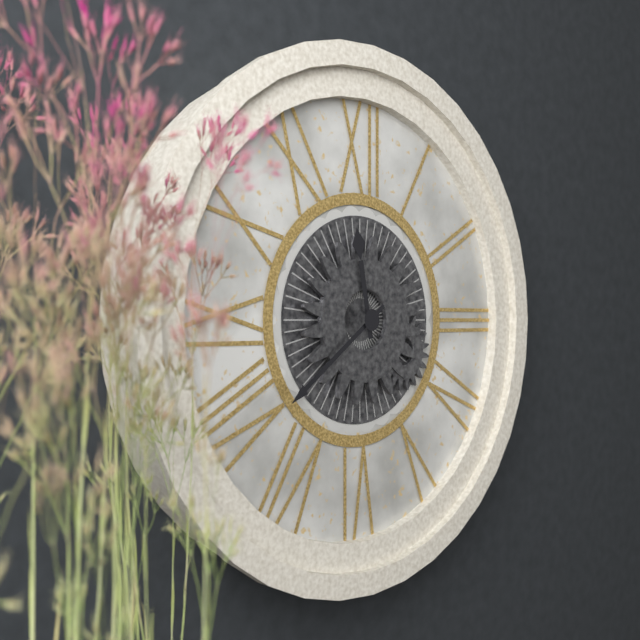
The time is 11,39
